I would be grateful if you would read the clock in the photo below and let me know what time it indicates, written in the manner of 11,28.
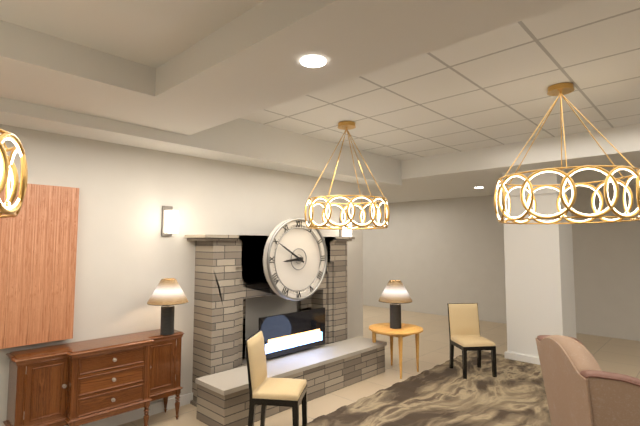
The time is 8,50
